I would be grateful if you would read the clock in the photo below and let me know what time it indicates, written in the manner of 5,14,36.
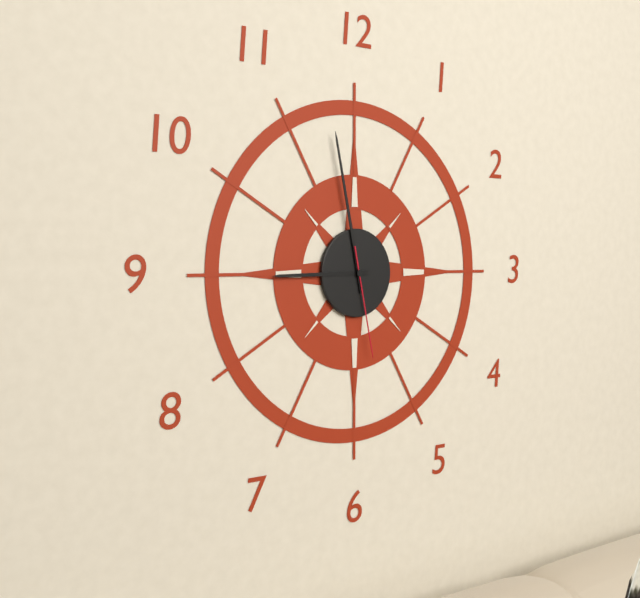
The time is 8,58,28
